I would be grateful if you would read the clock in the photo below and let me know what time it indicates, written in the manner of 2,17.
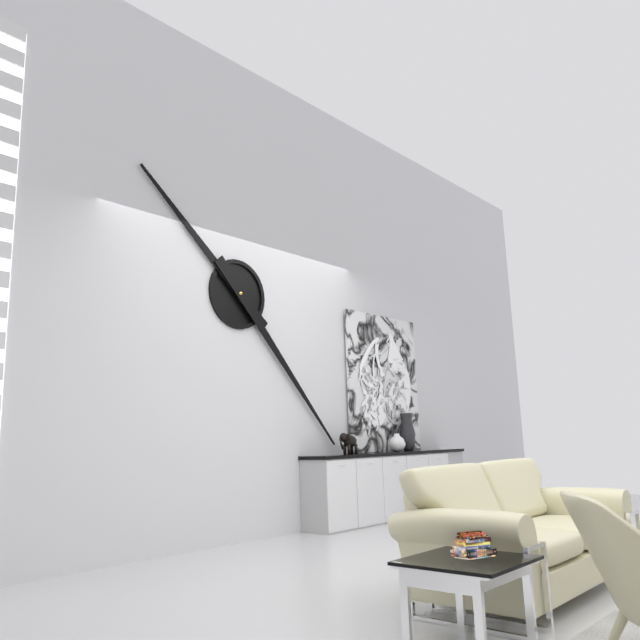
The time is 10,23
